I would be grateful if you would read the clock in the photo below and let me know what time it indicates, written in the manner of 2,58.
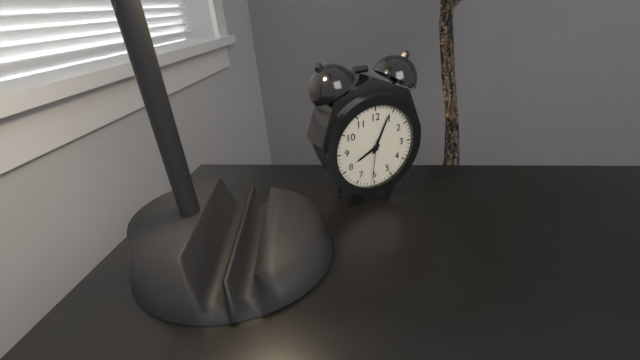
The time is 8,04
